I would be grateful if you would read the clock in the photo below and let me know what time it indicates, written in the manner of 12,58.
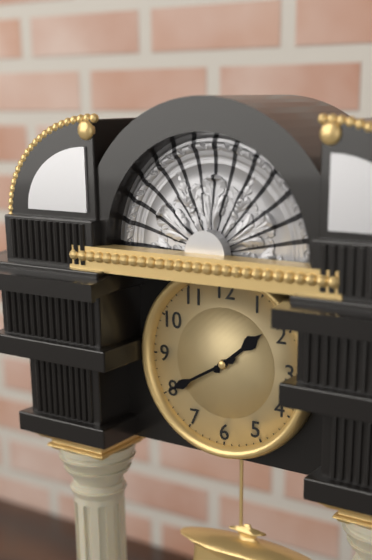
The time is 1,40
